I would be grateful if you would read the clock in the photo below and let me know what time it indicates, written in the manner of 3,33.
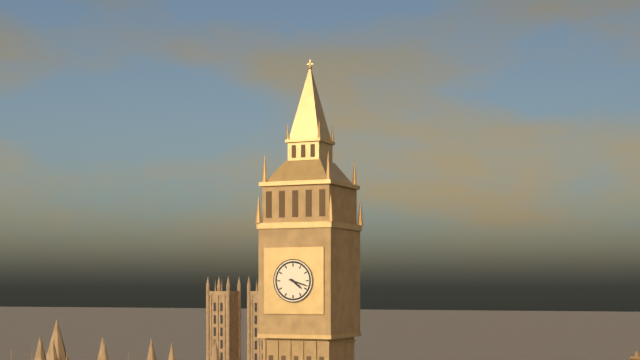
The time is 4,18
